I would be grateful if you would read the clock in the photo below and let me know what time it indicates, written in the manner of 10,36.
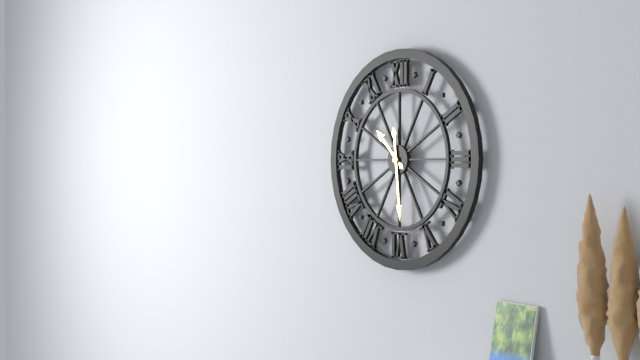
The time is 10,29
